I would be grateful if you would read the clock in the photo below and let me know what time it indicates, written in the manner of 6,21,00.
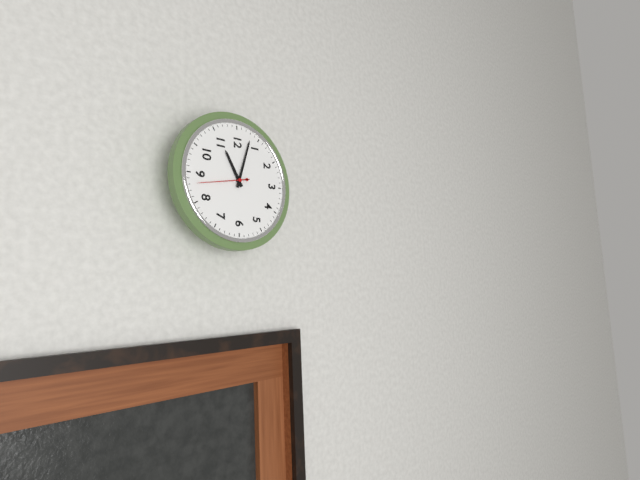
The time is 11,03,43
